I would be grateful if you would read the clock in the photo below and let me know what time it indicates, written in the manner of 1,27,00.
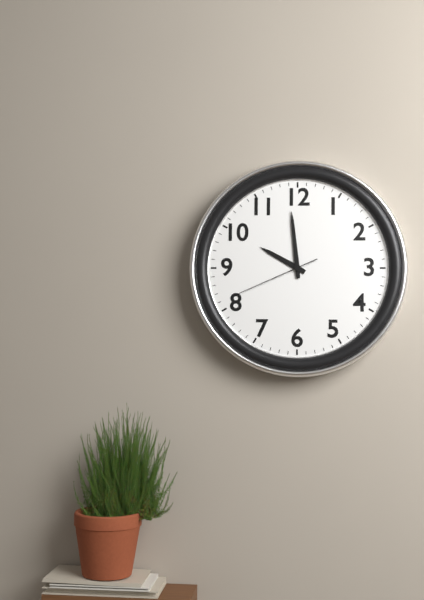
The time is 9,59,41
